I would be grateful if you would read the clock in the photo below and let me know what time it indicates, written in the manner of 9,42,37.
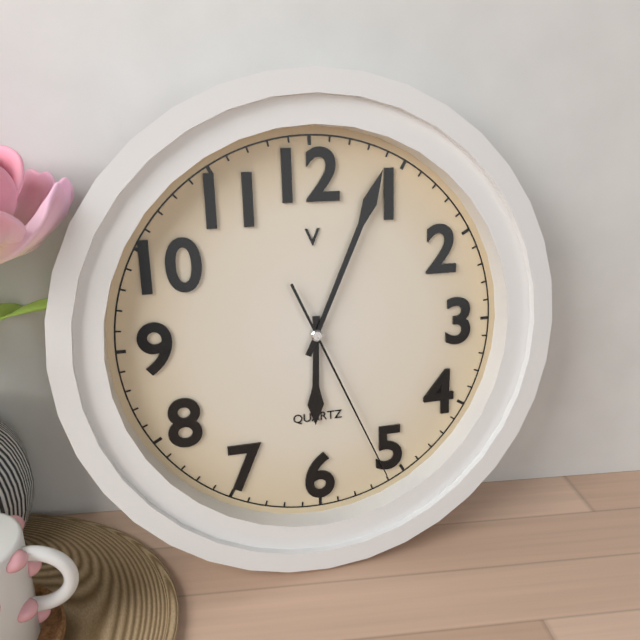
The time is 6,04,26
